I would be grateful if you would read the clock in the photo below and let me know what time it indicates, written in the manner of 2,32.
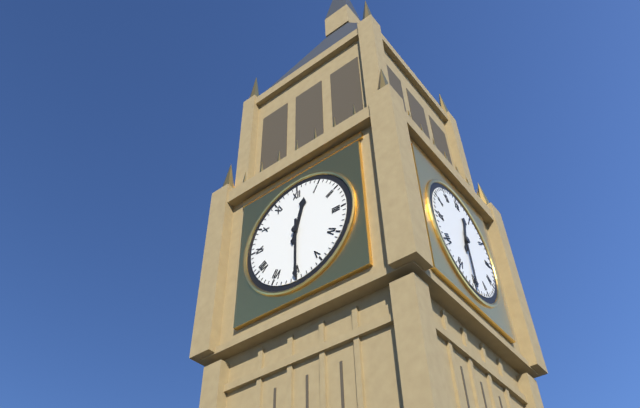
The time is 12,30
